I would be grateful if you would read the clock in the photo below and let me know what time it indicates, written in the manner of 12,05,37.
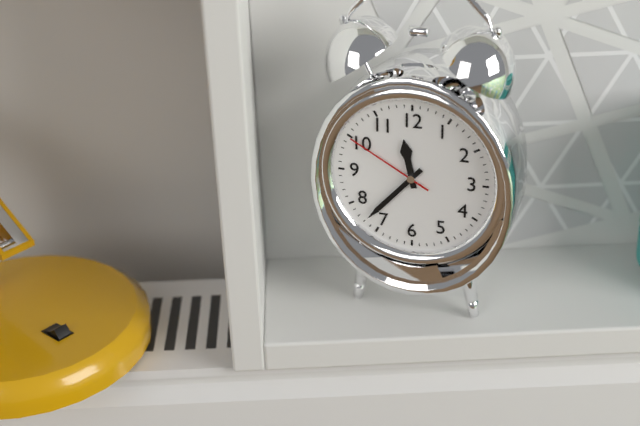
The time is 11,37,50
